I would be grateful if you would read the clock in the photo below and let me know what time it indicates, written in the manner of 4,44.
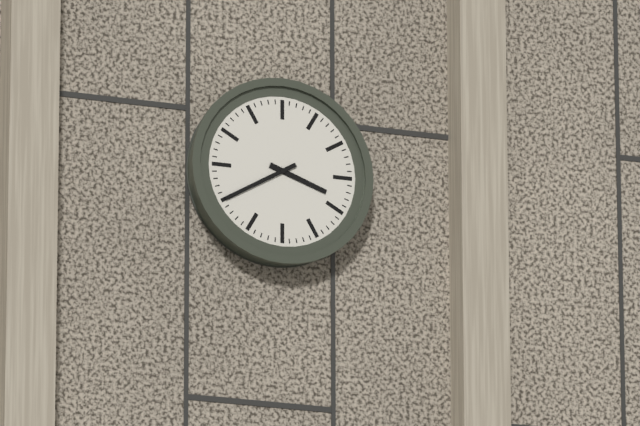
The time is 3,40
